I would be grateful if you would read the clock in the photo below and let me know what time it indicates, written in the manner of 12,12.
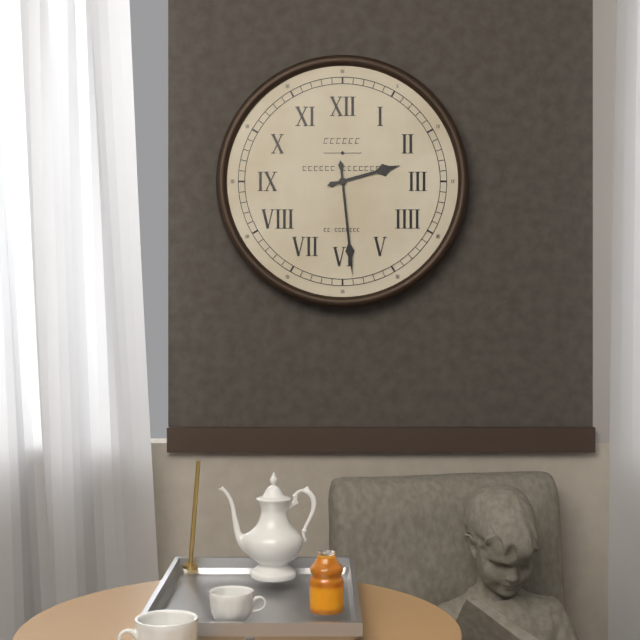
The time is 2,29
